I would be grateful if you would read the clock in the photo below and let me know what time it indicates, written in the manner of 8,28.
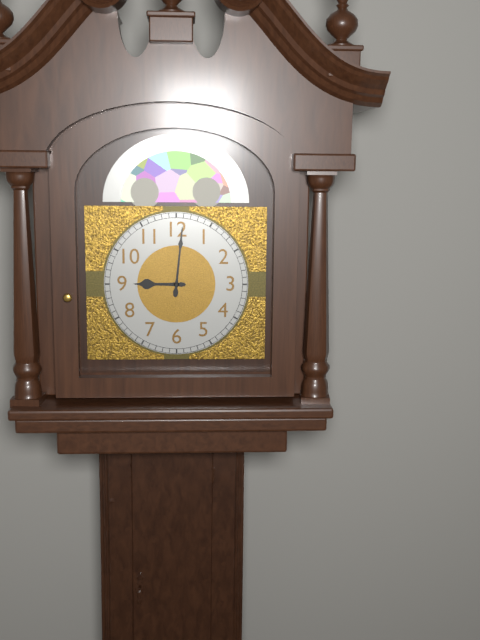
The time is 9,01
